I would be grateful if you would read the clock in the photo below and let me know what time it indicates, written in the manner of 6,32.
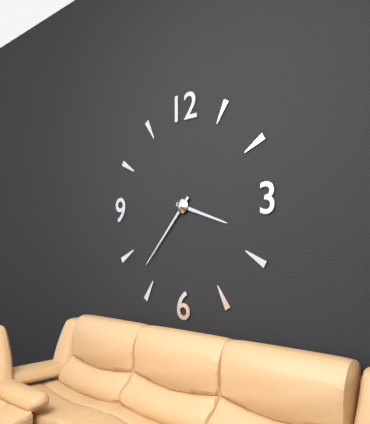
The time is 3,37
